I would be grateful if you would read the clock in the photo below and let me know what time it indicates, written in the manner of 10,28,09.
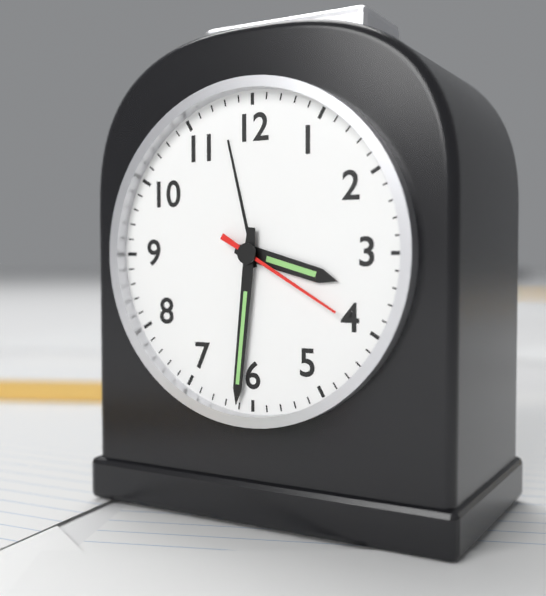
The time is 3,31,20
